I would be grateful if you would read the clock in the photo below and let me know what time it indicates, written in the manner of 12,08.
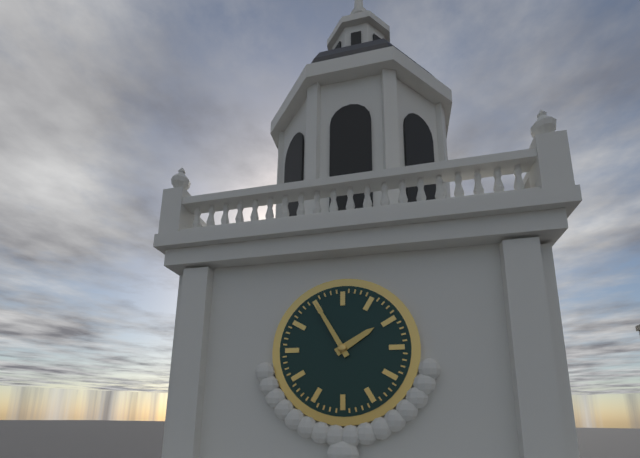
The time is 1,55
